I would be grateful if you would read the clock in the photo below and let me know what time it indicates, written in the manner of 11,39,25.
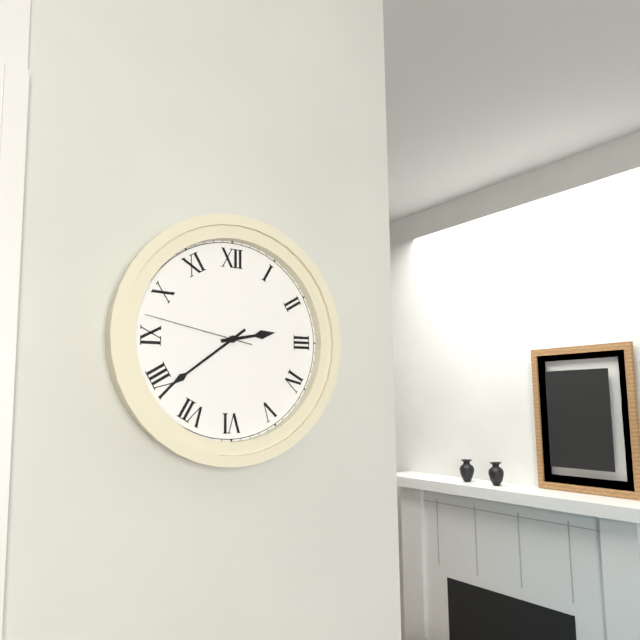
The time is 2,39,47
